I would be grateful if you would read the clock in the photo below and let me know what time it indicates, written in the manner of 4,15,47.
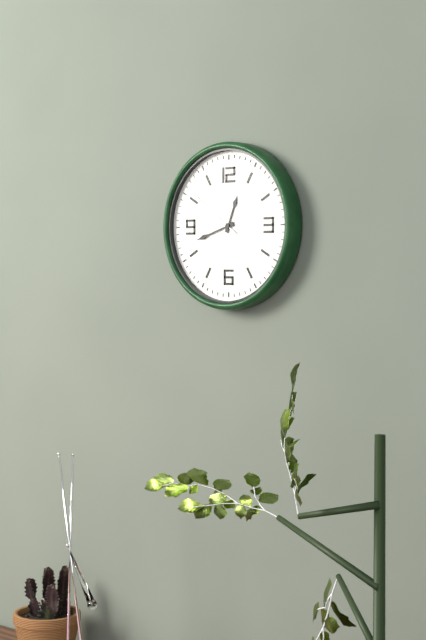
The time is 12,42,51
